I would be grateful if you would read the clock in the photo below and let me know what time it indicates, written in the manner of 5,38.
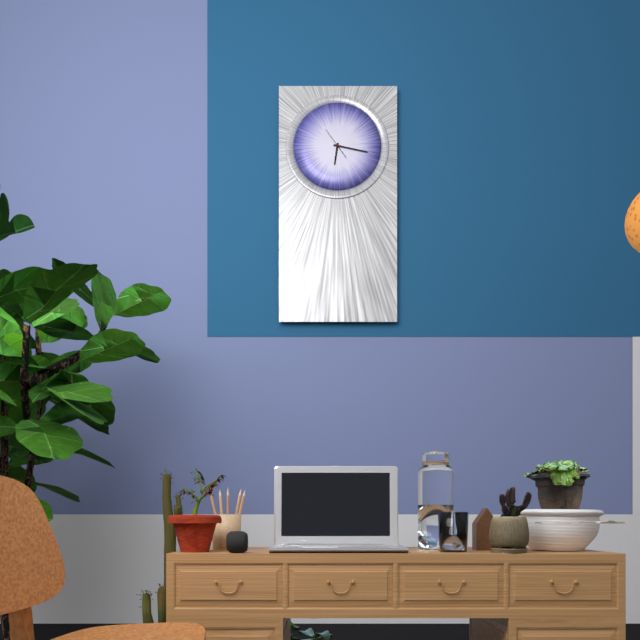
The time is 6,17
